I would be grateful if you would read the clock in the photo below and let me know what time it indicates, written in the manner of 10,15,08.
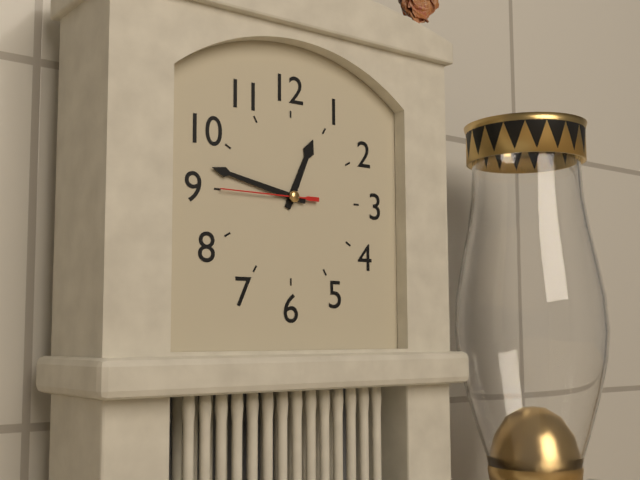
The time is 12,47,45
